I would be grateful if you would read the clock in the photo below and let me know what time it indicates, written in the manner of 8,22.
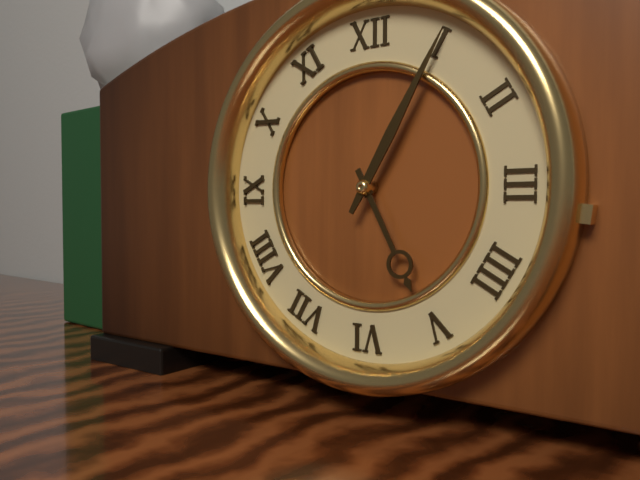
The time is 5,05
